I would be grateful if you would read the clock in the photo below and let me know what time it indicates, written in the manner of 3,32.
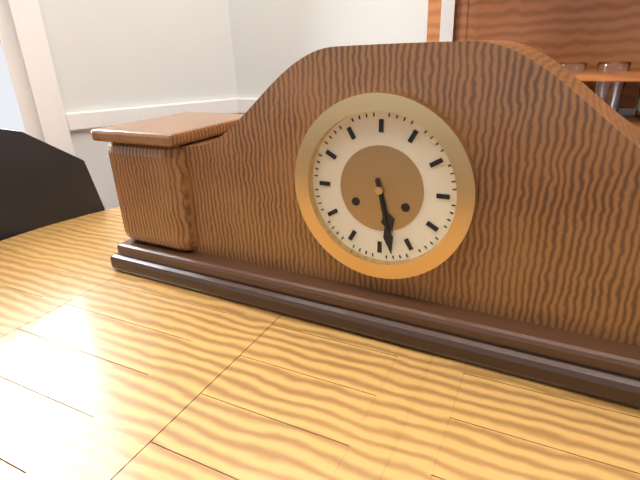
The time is 5,28
